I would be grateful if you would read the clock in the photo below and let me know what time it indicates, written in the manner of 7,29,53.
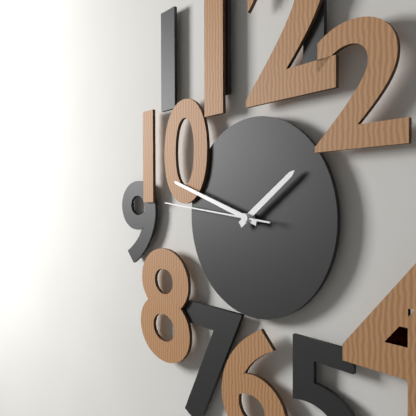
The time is 1,48,46
